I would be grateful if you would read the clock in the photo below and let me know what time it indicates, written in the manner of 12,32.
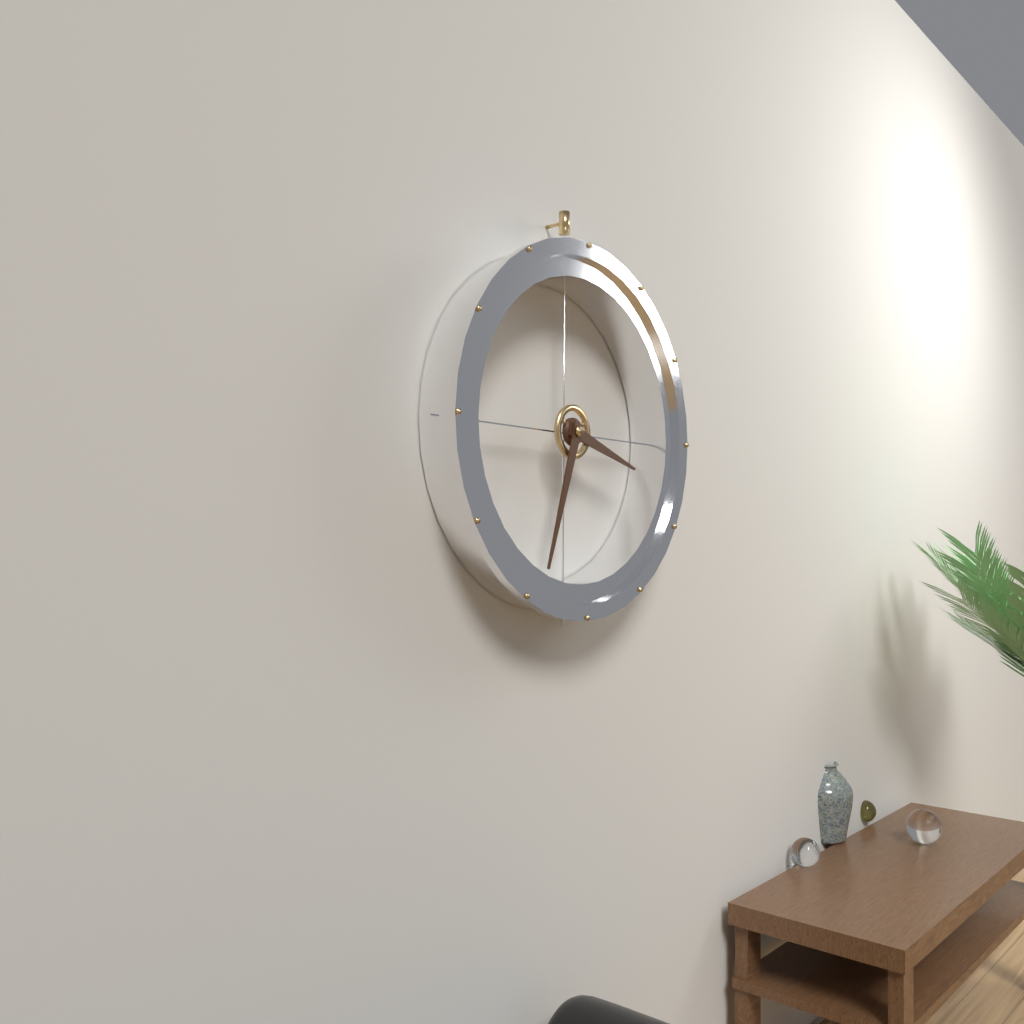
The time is 3,33
